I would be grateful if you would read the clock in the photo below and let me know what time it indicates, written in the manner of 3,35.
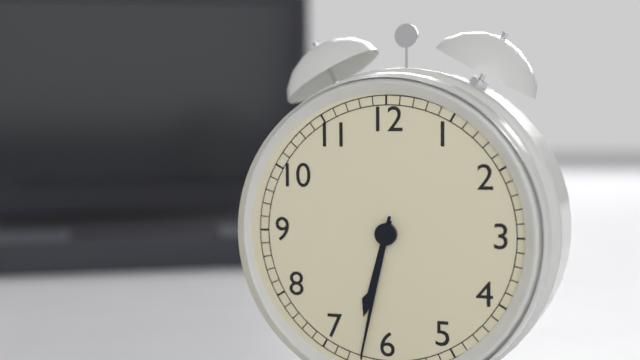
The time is 6,32
